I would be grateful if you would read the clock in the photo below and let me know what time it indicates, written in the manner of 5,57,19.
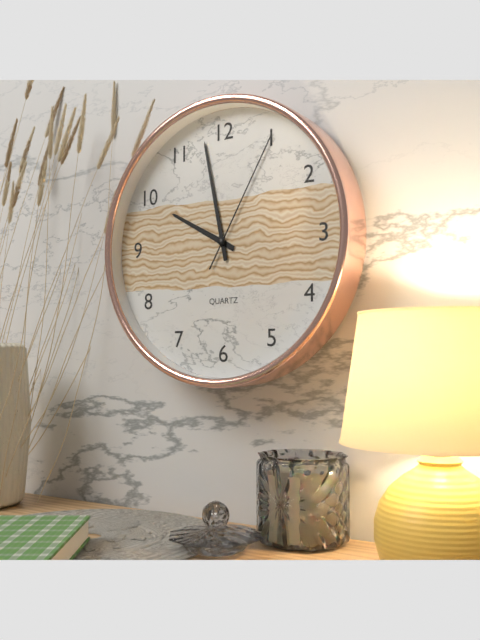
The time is 9,58,05
